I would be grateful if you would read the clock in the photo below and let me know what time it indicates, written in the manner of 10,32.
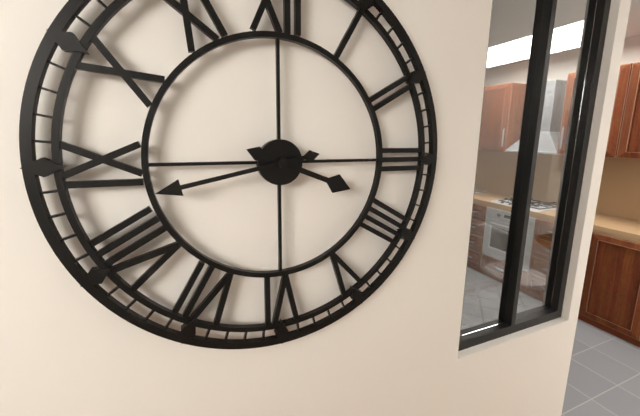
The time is 3,43
